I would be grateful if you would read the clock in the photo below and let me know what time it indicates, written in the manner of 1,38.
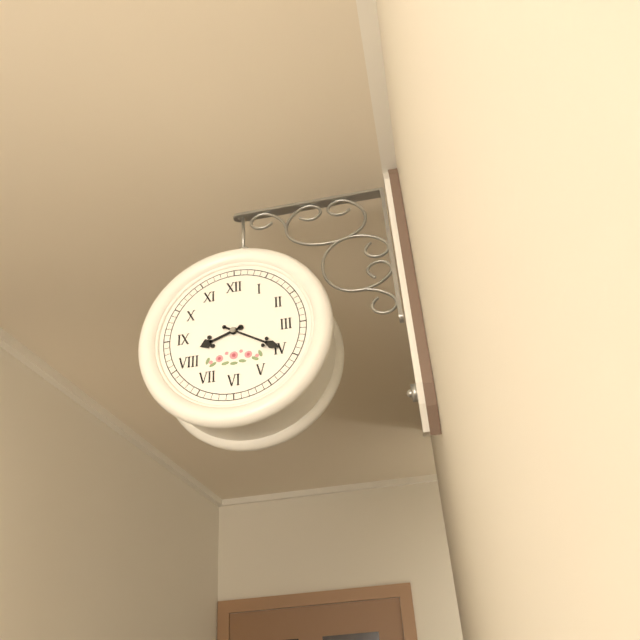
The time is 8,20
